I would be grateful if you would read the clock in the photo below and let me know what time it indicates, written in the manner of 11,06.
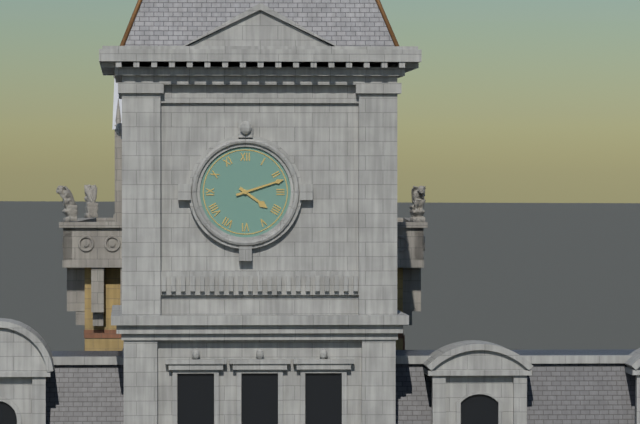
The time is 4,12
